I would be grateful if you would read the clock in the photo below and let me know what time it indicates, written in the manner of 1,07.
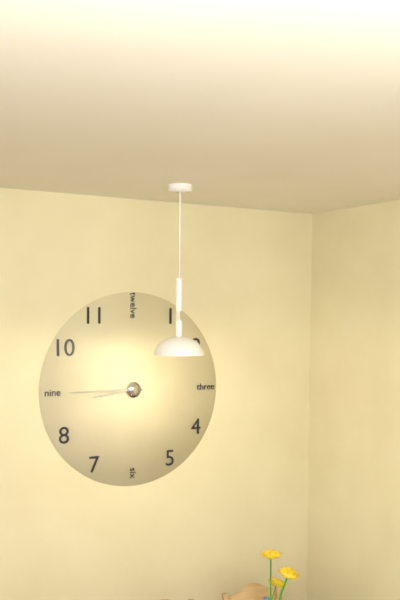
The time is 8,45
